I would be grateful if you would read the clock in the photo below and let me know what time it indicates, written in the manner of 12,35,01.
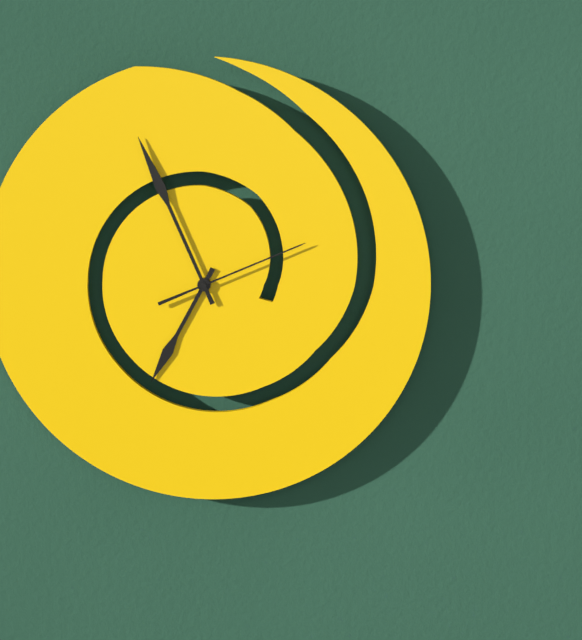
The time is 6,56,11
